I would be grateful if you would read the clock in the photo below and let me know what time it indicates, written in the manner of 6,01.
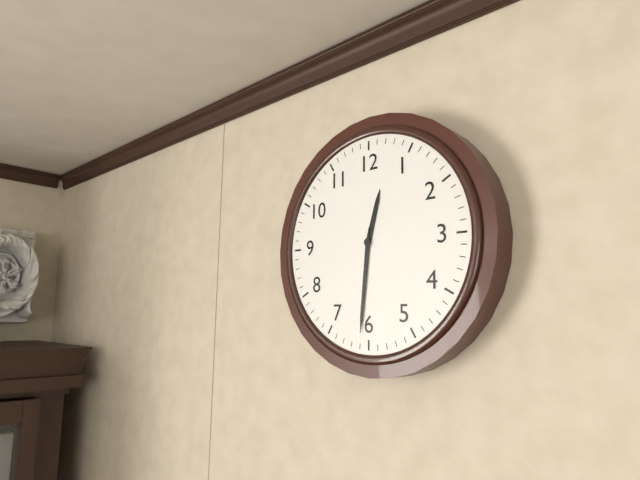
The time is 12,31
